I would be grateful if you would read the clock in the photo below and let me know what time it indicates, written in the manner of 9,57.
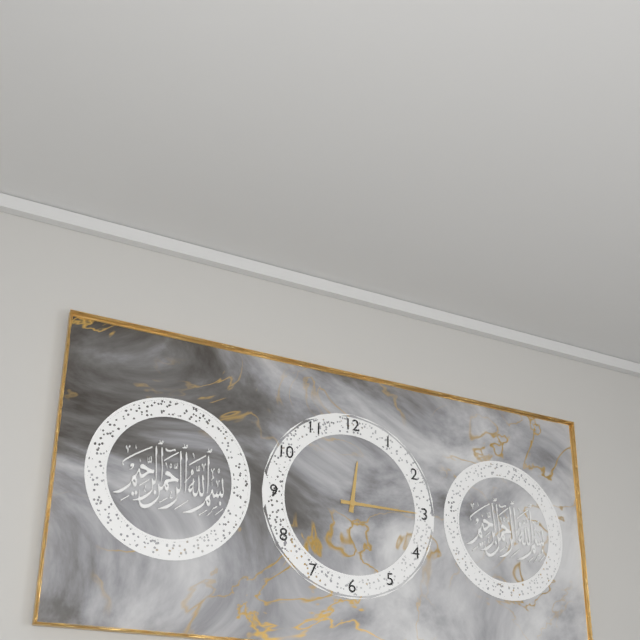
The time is 12,15
